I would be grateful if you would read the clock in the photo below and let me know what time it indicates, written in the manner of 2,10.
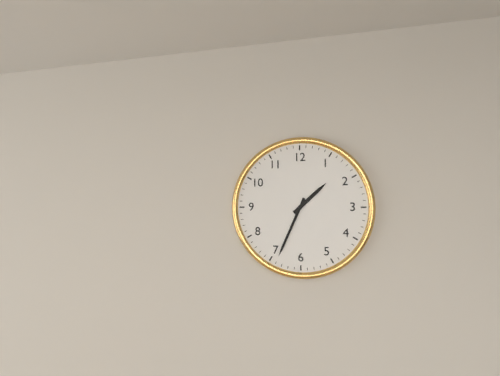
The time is 1,34
